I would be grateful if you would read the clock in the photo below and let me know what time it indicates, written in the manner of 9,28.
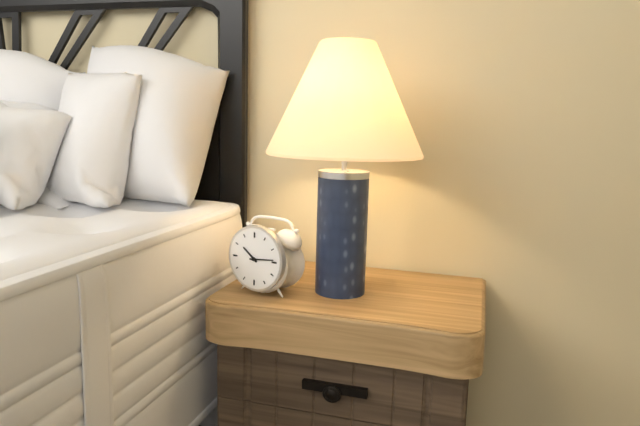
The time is 10,14
